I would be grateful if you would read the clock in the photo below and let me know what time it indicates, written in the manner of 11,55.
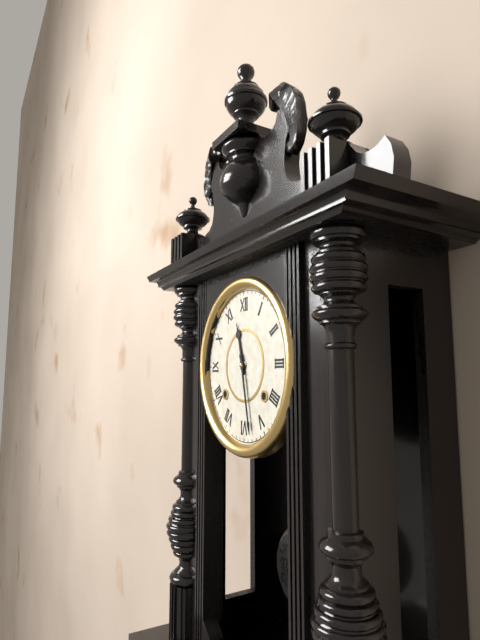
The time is 11,28
